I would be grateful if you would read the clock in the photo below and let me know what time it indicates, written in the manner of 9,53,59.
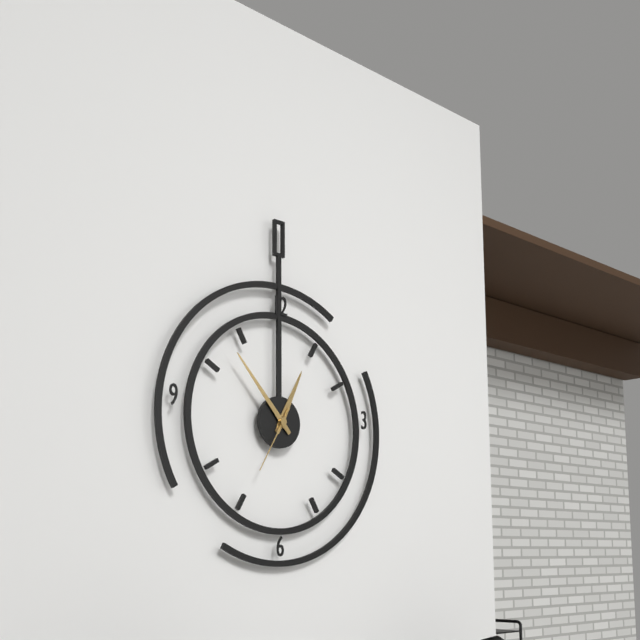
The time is 12,53,35
